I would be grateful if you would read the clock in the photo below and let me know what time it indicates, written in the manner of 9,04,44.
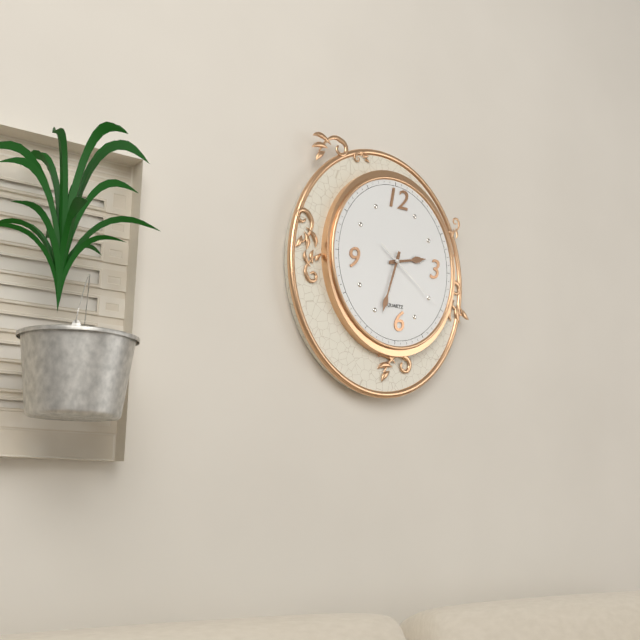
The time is 2,33,21
